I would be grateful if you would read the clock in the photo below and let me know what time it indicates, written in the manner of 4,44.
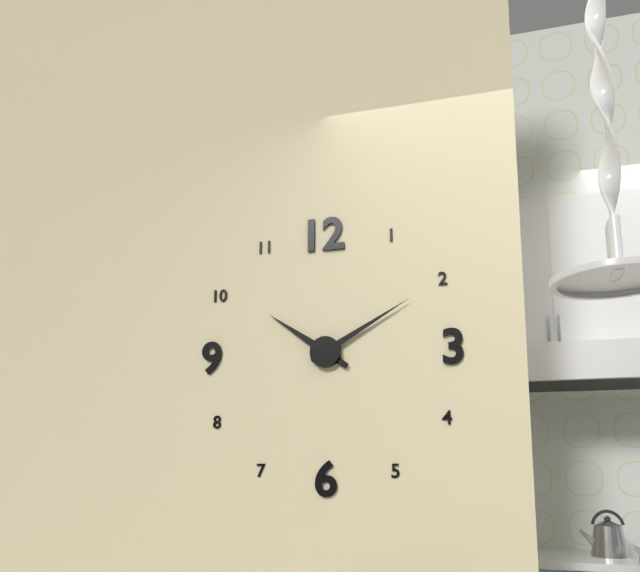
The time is 10,10
